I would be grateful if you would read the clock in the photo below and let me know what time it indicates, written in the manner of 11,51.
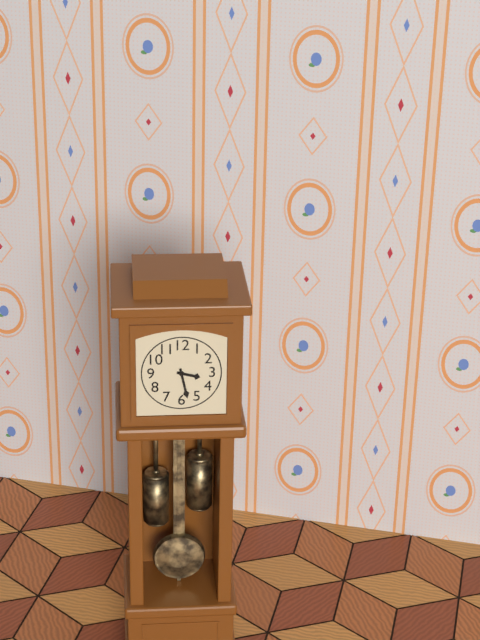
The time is 3,28
